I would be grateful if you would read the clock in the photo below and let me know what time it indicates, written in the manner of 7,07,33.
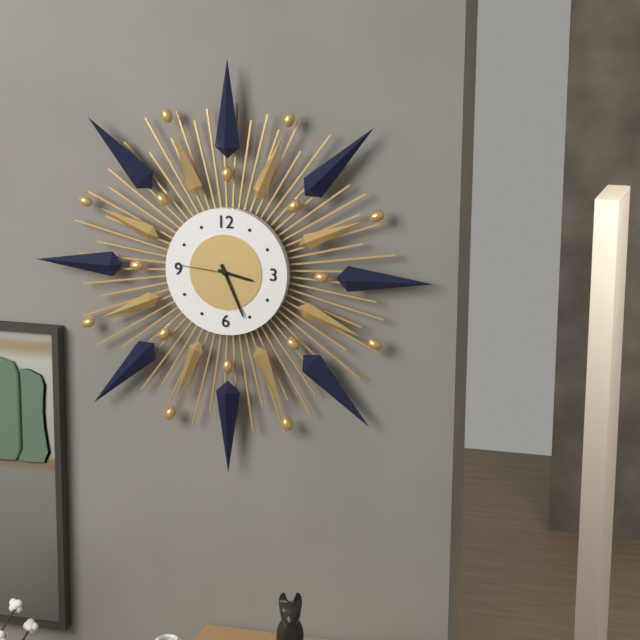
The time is 3,26,46
